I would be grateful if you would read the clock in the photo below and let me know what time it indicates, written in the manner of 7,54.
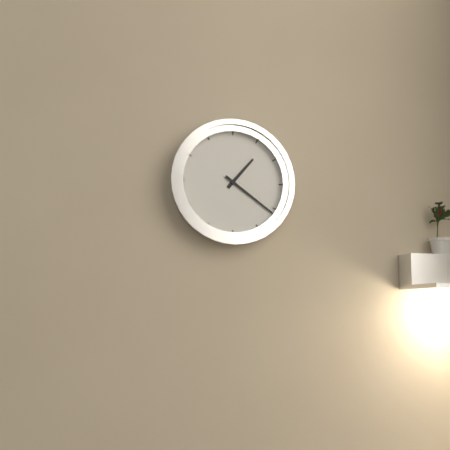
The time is 1,21
